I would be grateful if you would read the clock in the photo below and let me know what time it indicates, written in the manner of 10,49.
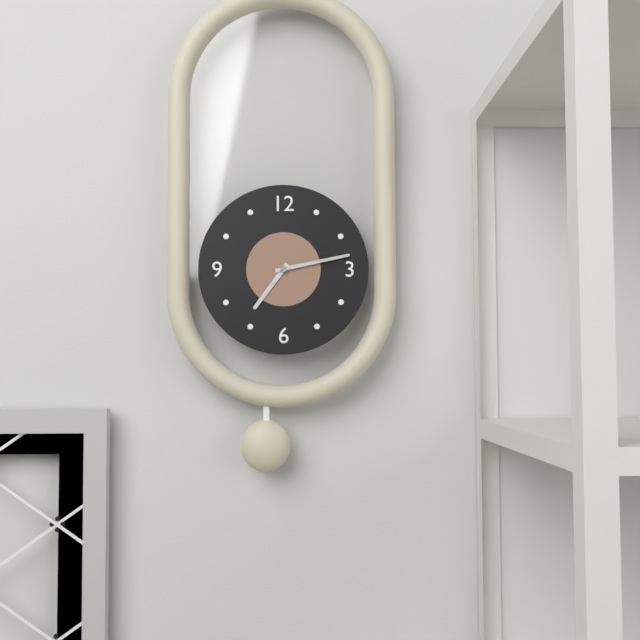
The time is 7,13
